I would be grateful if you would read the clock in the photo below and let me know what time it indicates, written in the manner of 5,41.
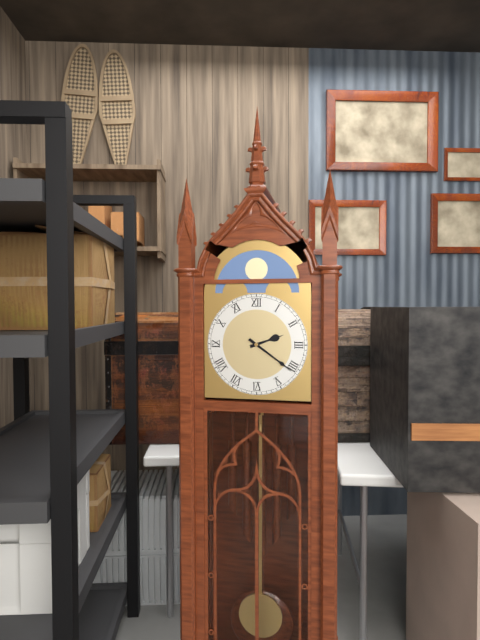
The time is 2,21
